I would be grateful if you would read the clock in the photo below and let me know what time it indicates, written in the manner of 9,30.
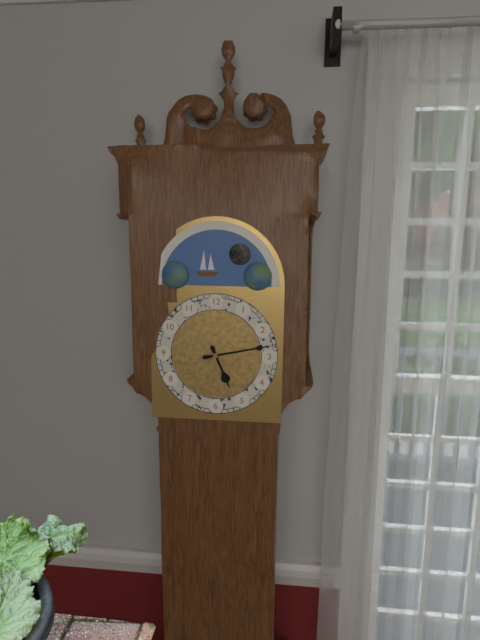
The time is 5,13
